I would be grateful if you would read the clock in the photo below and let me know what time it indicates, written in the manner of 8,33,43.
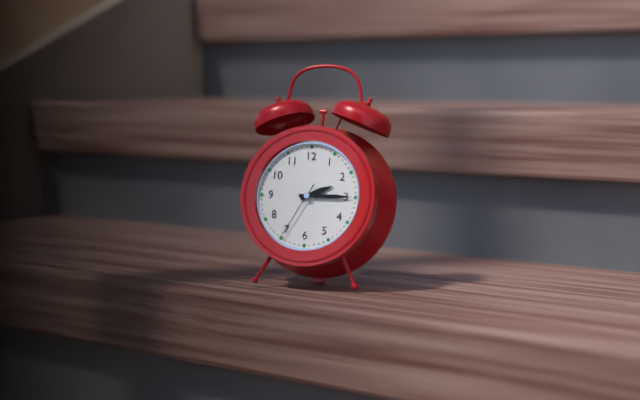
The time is 2,15,35
